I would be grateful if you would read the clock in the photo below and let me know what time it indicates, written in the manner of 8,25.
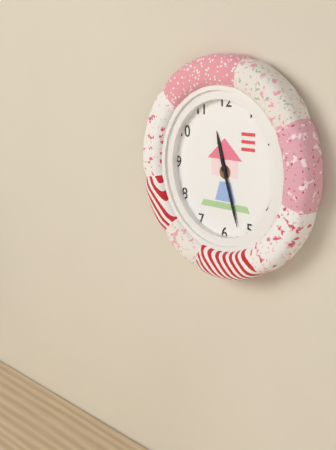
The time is 11,27
